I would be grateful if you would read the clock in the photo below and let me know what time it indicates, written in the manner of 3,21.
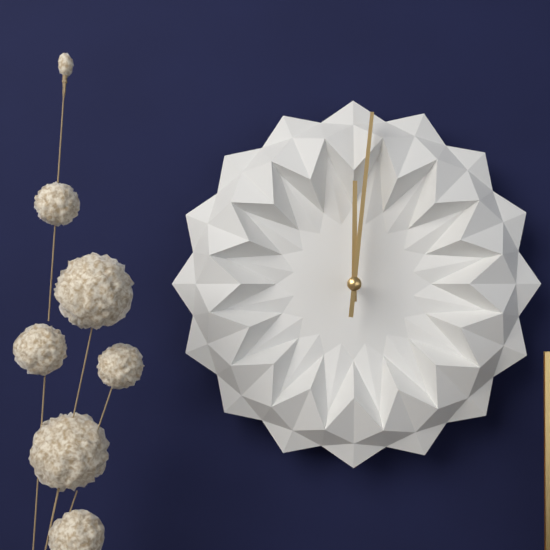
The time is 12,01
